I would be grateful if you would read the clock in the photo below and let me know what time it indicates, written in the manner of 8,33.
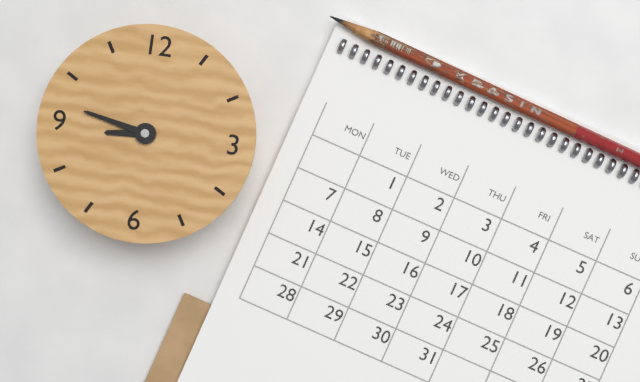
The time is 8,47
